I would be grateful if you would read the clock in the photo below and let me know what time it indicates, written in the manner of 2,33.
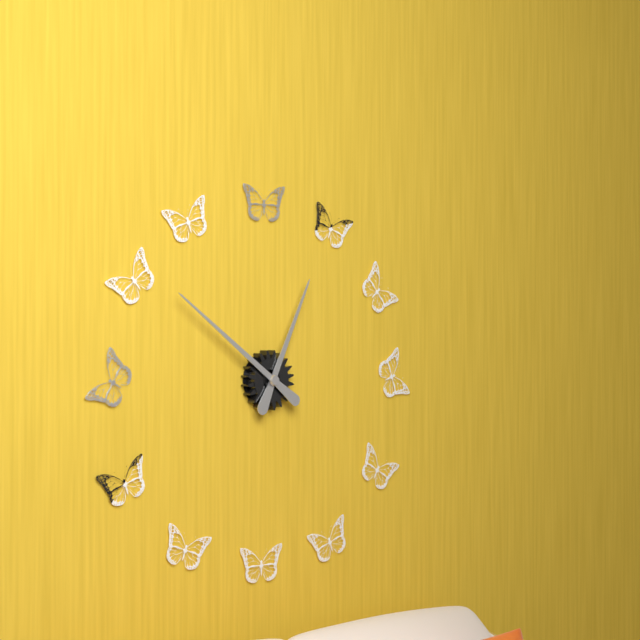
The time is 12,51
